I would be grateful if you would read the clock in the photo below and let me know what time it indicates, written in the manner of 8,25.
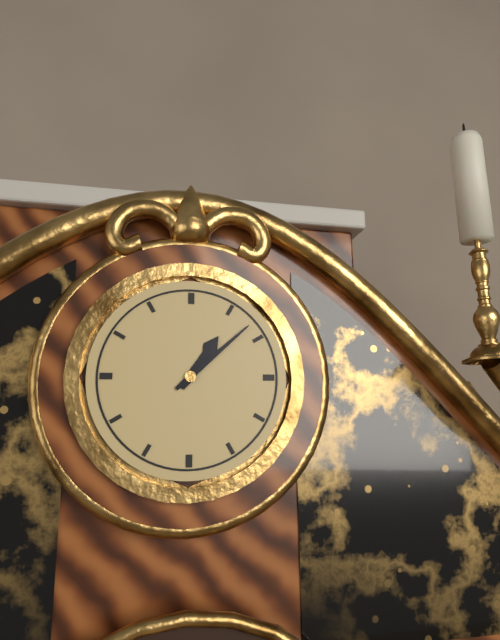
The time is 1,08
